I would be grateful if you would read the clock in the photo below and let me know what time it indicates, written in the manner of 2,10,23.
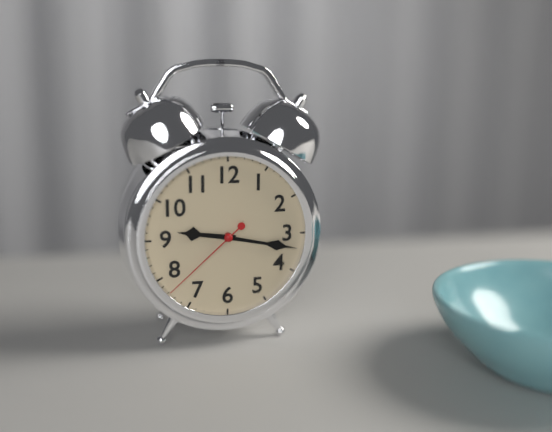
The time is 9,17,38
